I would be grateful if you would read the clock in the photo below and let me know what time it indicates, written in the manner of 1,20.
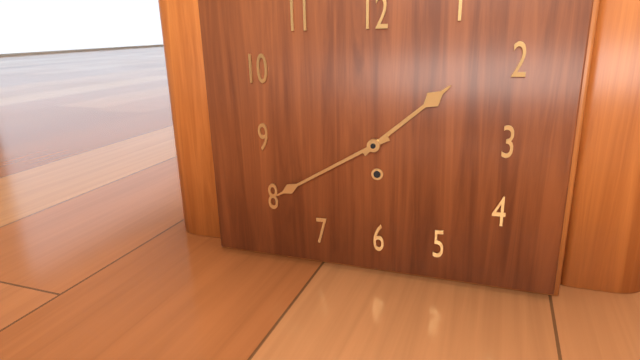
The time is 1,40
